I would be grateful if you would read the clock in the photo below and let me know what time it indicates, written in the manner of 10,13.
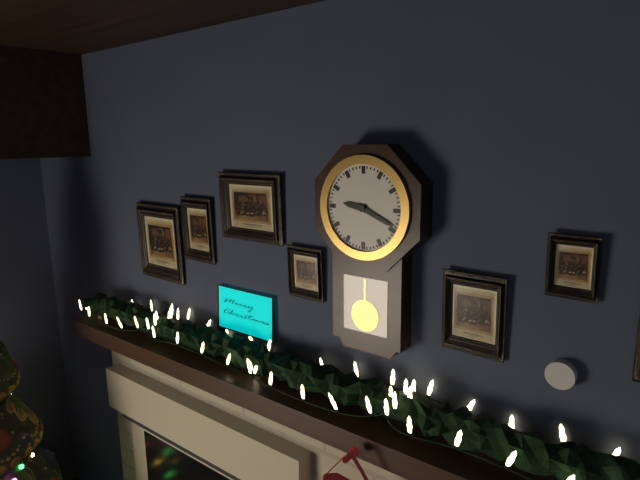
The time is 9,19
